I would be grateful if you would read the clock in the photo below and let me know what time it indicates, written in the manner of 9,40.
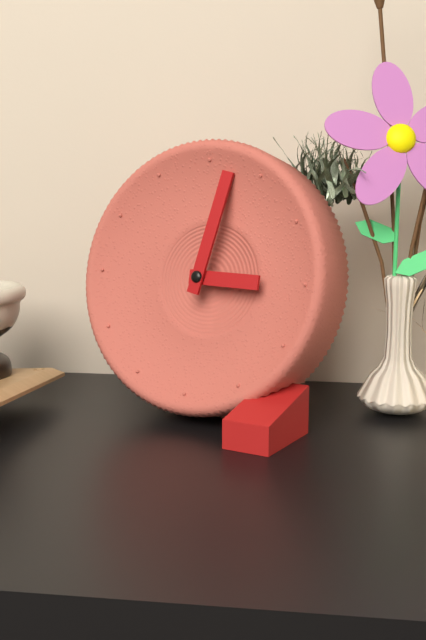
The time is 3,02
